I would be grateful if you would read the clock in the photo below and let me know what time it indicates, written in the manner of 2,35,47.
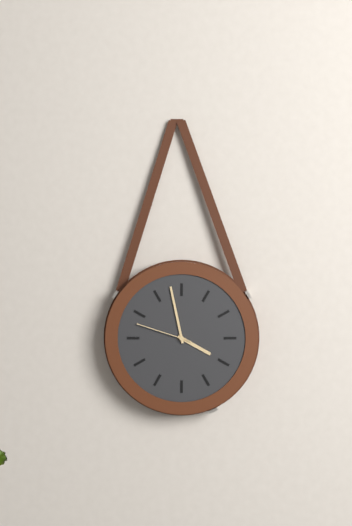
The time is 3,58,48
